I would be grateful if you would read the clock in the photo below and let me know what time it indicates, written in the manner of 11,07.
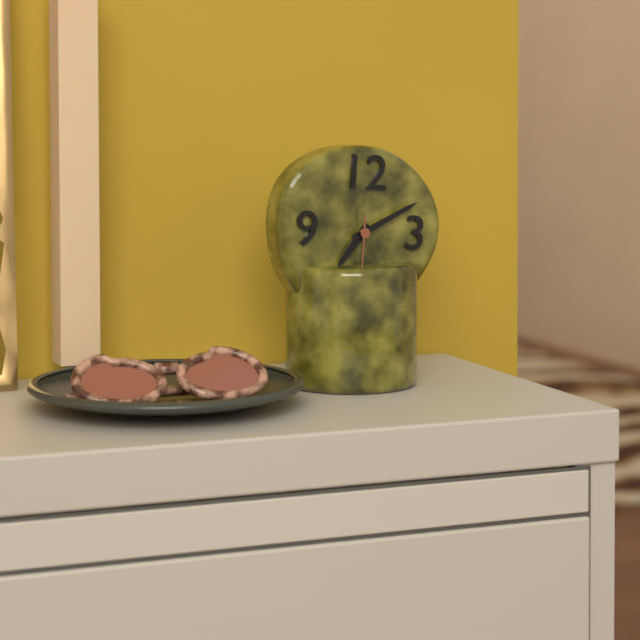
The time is 7,10
